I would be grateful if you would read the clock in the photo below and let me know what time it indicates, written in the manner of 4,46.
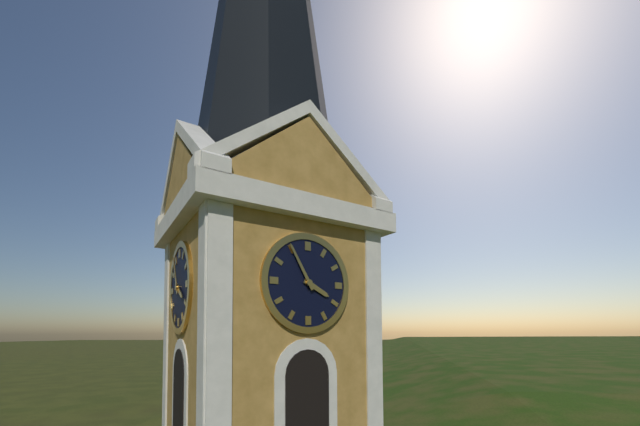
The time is 3,55
